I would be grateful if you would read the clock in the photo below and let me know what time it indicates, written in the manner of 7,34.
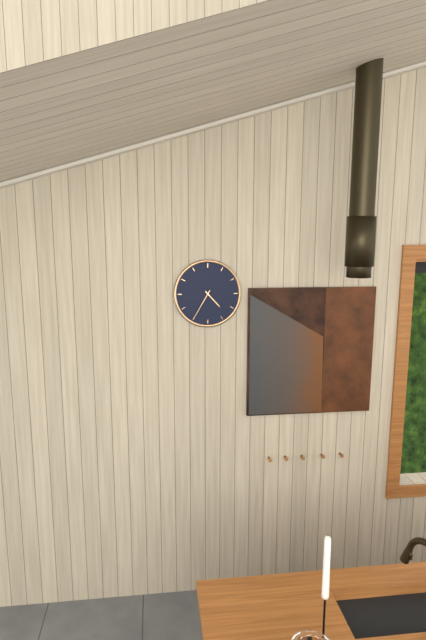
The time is 4,35
